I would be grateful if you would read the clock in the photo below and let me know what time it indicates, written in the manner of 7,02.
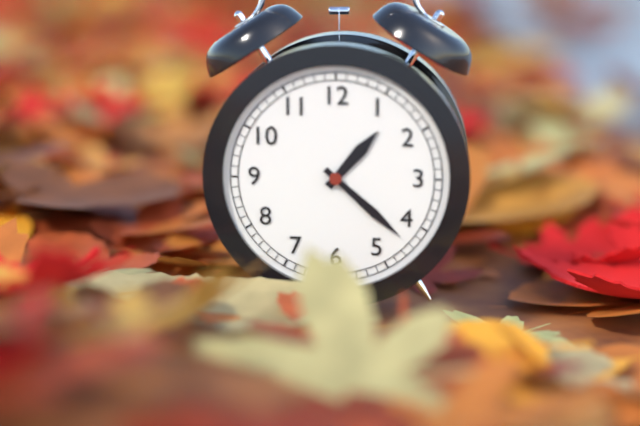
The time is 1,22
